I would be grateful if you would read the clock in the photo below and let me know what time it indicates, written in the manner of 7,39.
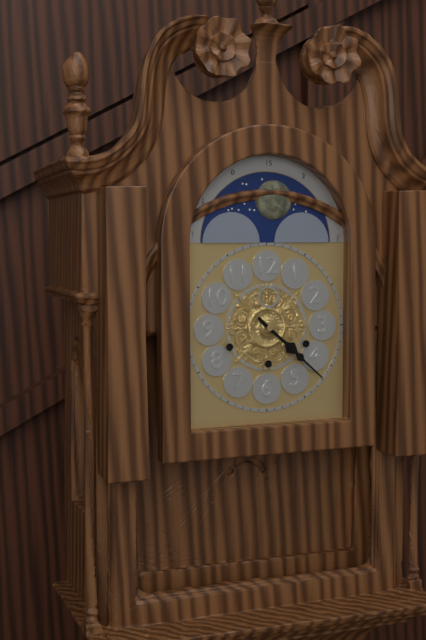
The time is 4,22
